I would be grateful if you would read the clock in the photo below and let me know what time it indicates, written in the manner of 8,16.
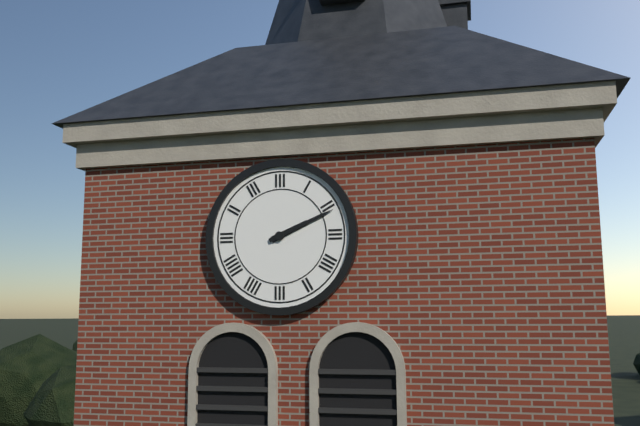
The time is 2,11
